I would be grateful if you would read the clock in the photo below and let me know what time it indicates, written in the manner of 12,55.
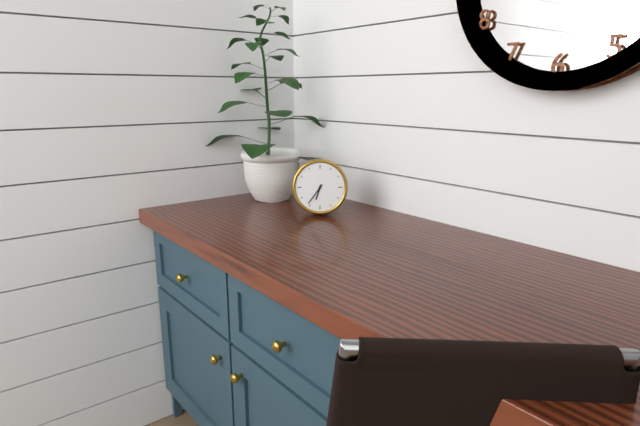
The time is 6,36
